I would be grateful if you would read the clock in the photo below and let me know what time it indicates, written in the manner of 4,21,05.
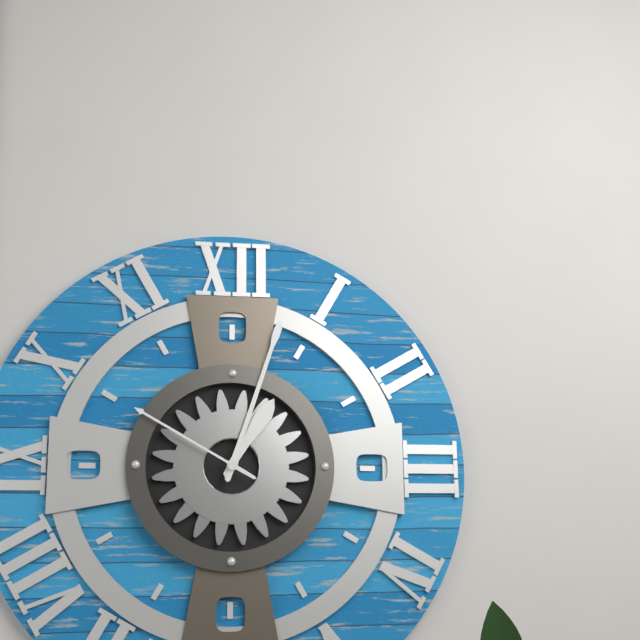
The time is 1,03,50
